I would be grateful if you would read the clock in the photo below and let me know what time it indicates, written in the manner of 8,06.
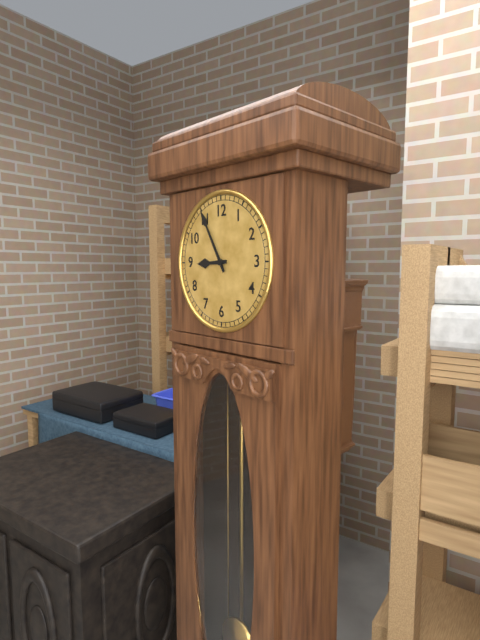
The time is 8,55
